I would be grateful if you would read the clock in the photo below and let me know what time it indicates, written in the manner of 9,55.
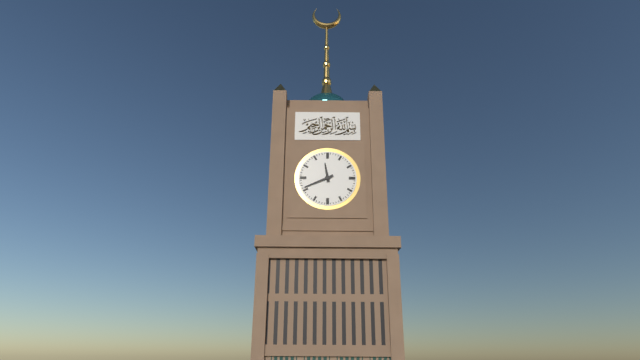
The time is 11,41
